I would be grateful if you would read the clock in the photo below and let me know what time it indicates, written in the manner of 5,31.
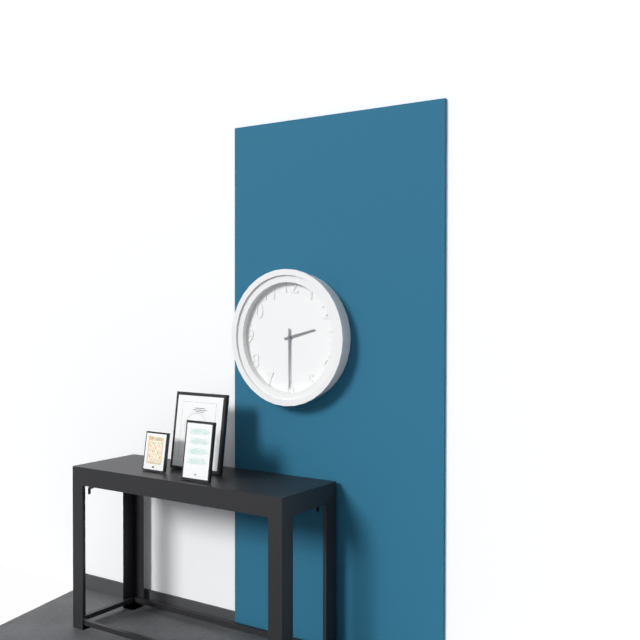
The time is 2,30
